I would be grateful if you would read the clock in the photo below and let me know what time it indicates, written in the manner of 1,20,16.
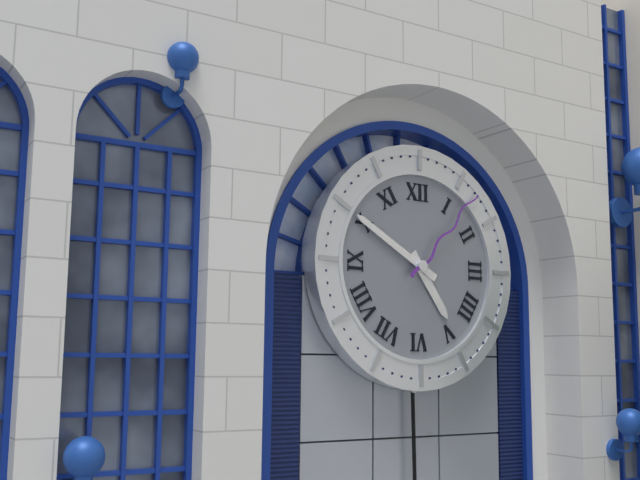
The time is 4,50,07
